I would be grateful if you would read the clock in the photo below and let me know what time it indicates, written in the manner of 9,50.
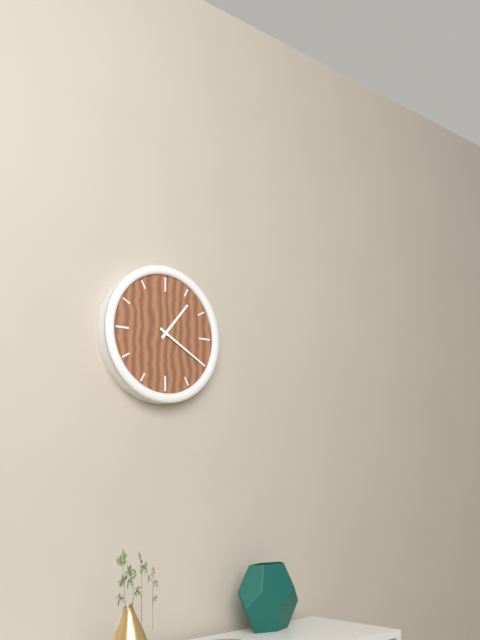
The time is 1,20
